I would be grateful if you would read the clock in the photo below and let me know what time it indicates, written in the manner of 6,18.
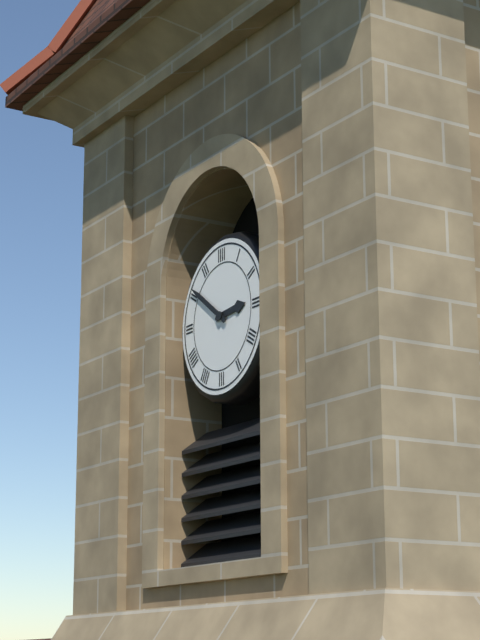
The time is 2,51
